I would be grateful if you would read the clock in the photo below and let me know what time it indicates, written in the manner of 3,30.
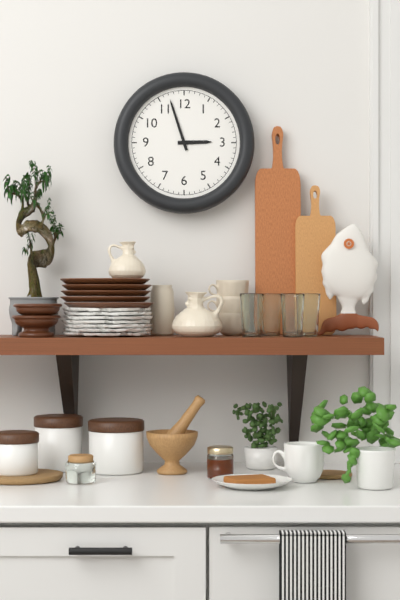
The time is 2,57
